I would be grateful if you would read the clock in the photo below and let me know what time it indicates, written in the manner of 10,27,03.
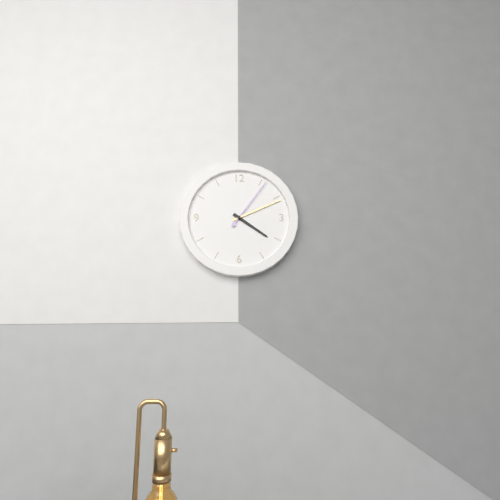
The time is 4,11,06
